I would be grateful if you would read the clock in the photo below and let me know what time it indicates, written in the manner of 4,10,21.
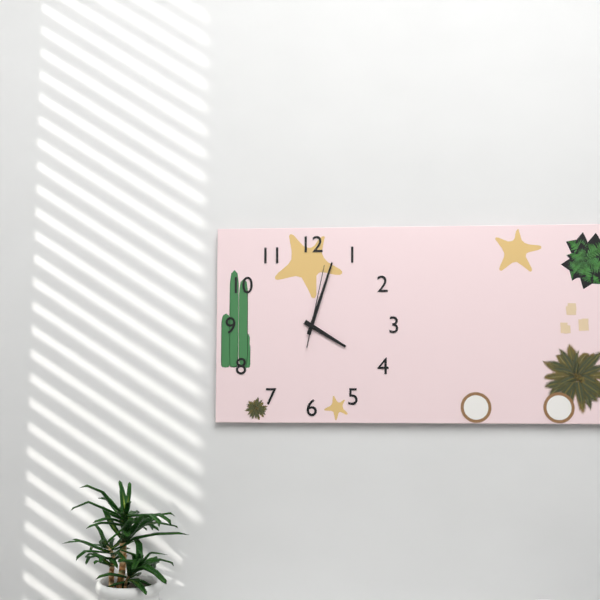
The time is 4,03,02
